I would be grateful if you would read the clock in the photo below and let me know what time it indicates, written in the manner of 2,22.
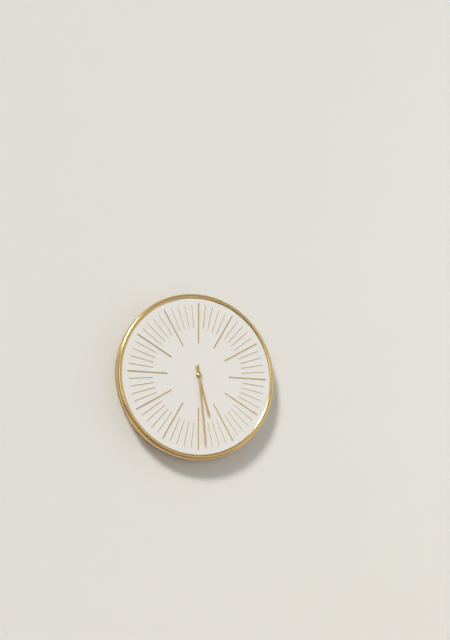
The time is 5,29
